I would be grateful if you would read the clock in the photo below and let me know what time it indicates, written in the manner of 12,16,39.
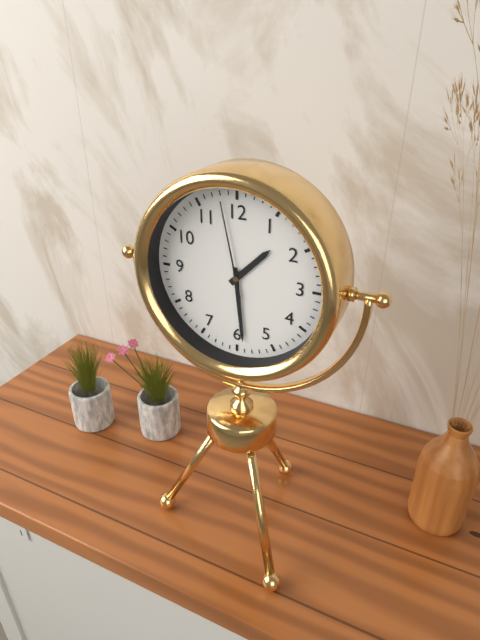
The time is 1,29,58
